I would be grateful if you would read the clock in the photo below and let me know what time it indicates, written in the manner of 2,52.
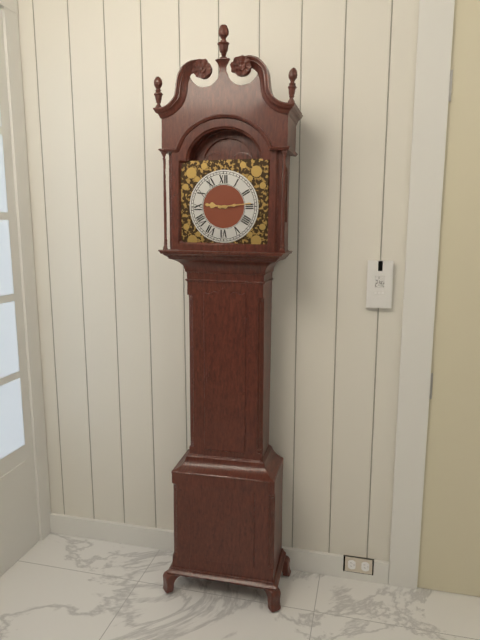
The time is 9,14
